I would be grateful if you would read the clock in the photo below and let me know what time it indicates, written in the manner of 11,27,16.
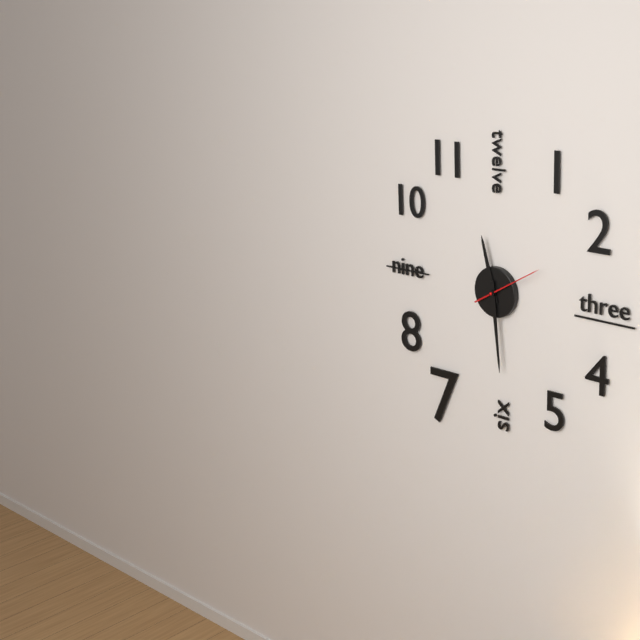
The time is 11,29,10
